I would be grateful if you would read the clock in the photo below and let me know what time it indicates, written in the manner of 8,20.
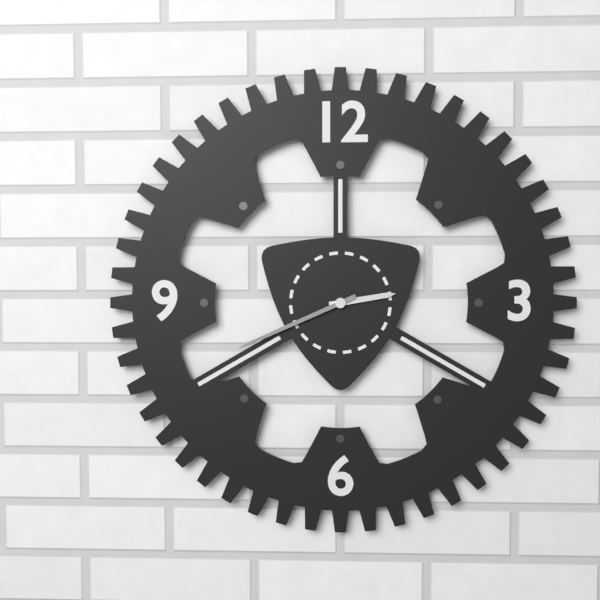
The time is 2,41
